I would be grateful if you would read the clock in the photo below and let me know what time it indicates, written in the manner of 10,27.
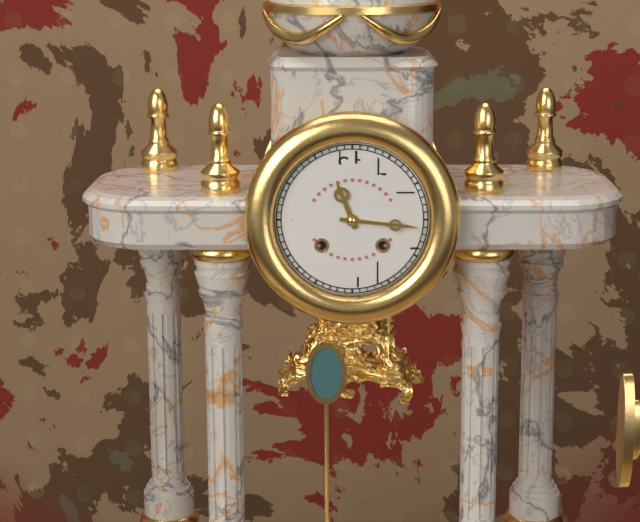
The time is 11,16
